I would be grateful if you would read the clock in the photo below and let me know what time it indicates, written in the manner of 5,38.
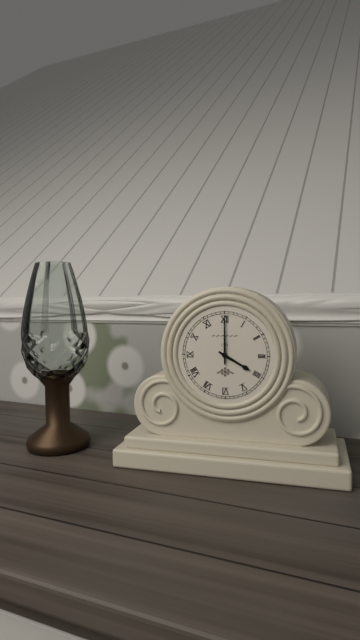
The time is 4,00
